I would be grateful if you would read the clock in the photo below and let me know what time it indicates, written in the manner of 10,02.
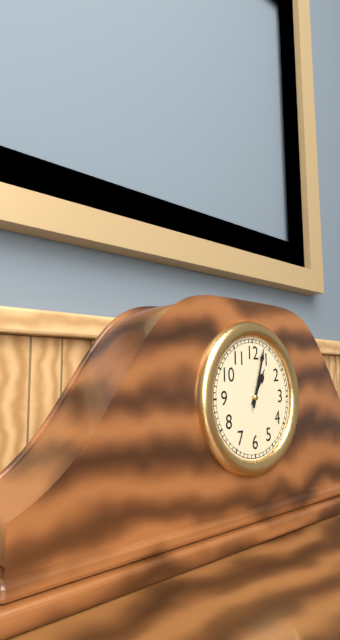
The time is 1,03
